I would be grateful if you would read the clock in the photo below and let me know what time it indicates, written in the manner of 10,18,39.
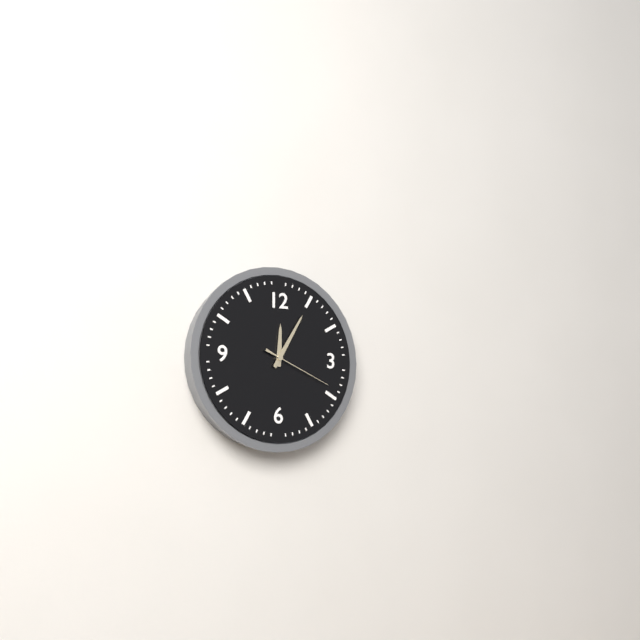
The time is 12,05,19
